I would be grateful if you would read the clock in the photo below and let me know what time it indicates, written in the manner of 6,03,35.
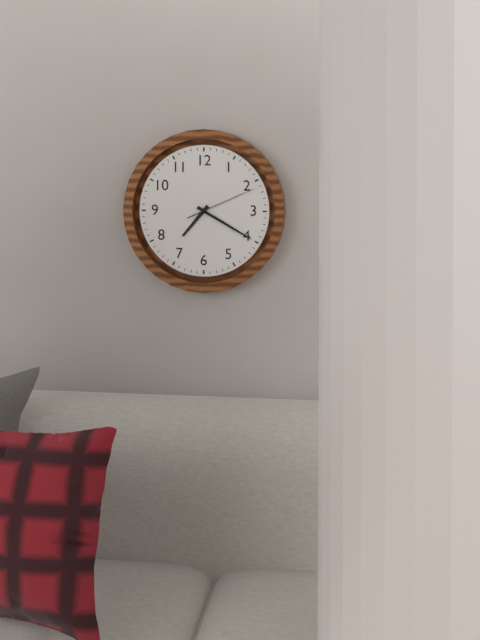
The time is 7,20,11
